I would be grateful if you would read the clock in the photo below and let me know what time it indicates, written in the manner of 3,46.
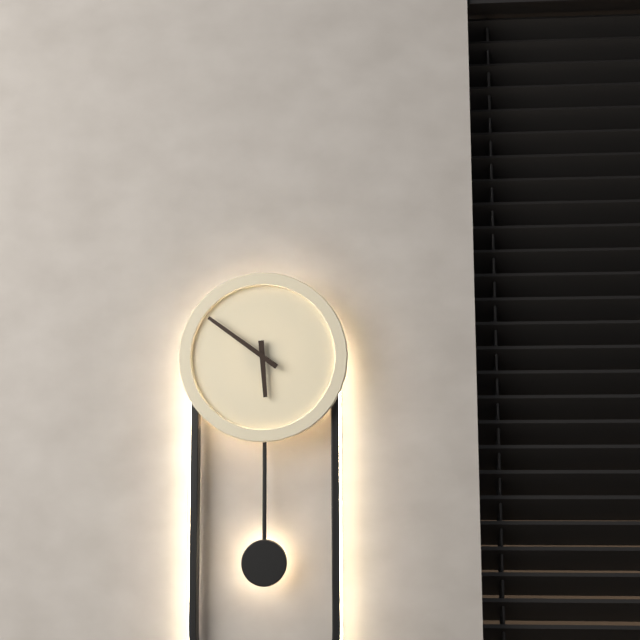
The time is 5,51
